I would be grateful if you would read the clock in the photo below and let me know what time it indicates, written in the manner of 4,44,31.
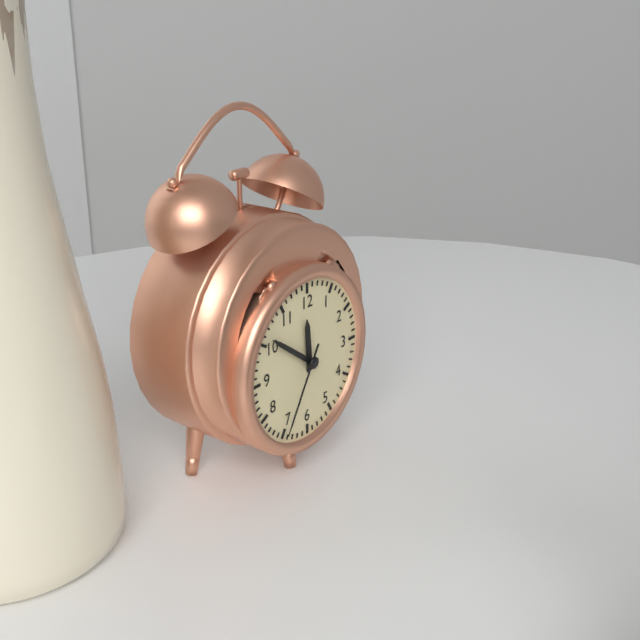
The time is 11,51,35
